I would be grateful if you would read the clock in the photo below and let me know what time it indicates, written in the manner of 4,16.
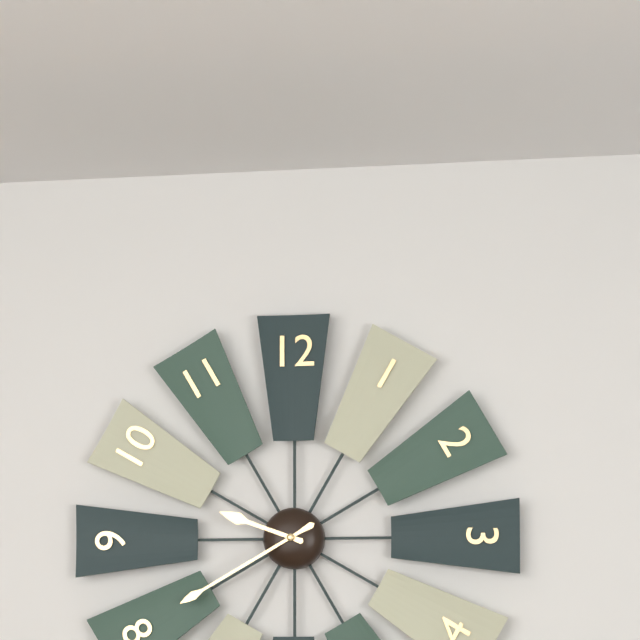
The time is 9,40
